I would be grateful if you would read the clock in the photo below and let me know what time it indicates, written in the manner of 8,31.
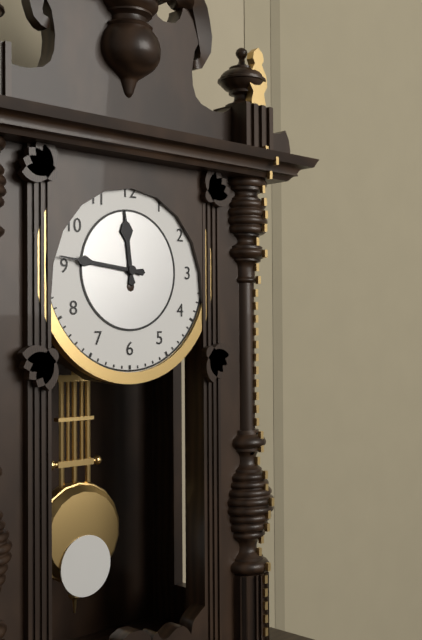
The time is 11,46
